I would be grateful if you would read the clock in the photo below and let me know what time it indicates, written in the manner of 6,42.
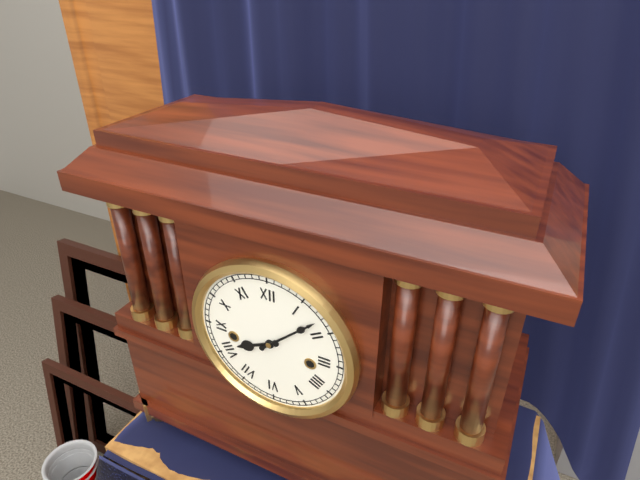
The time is 8,08
